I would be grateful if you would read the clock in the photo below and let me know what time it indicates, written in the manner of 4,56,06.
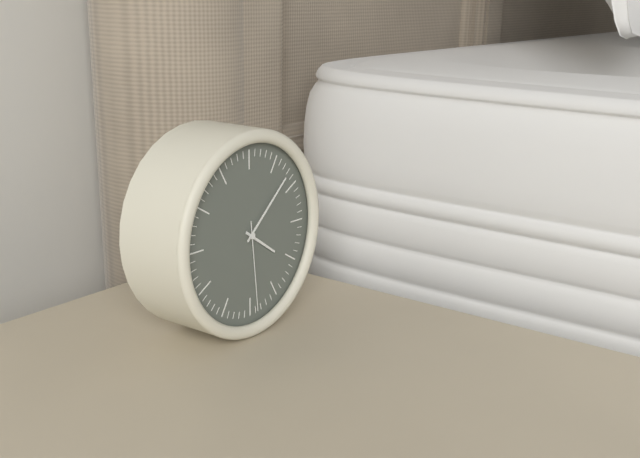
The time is 4,08,29
